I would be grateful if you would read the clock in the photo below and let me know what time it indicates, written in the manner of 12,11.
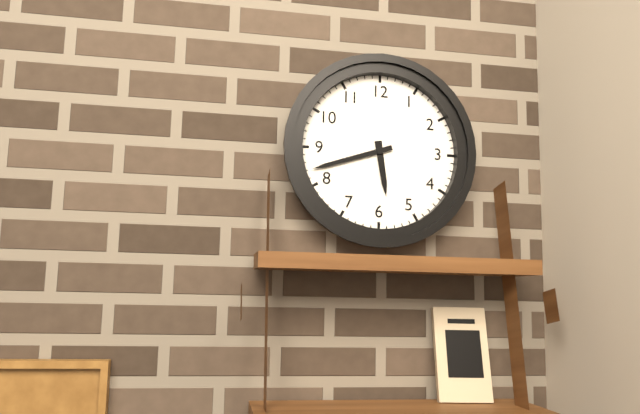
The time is 5,42
